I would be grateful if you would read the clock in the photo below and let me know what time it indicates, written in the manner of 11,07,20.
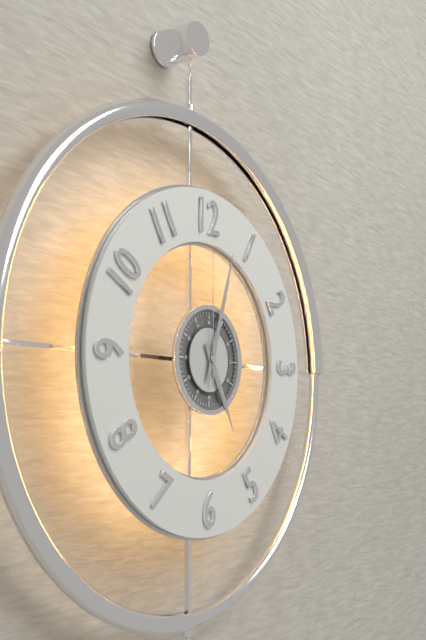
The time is 5,03,00
